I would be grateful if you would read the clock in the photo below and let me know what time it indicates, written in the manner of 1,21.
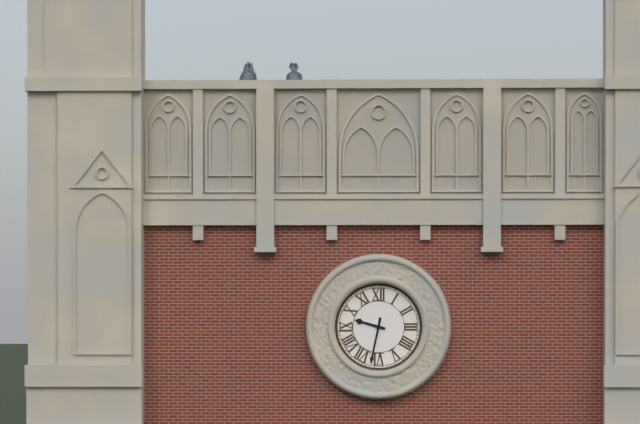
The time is 9,32
